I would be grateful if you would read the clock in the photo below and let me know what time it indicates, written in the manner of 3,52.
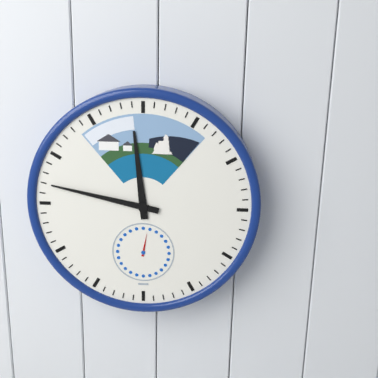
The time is 11,47
